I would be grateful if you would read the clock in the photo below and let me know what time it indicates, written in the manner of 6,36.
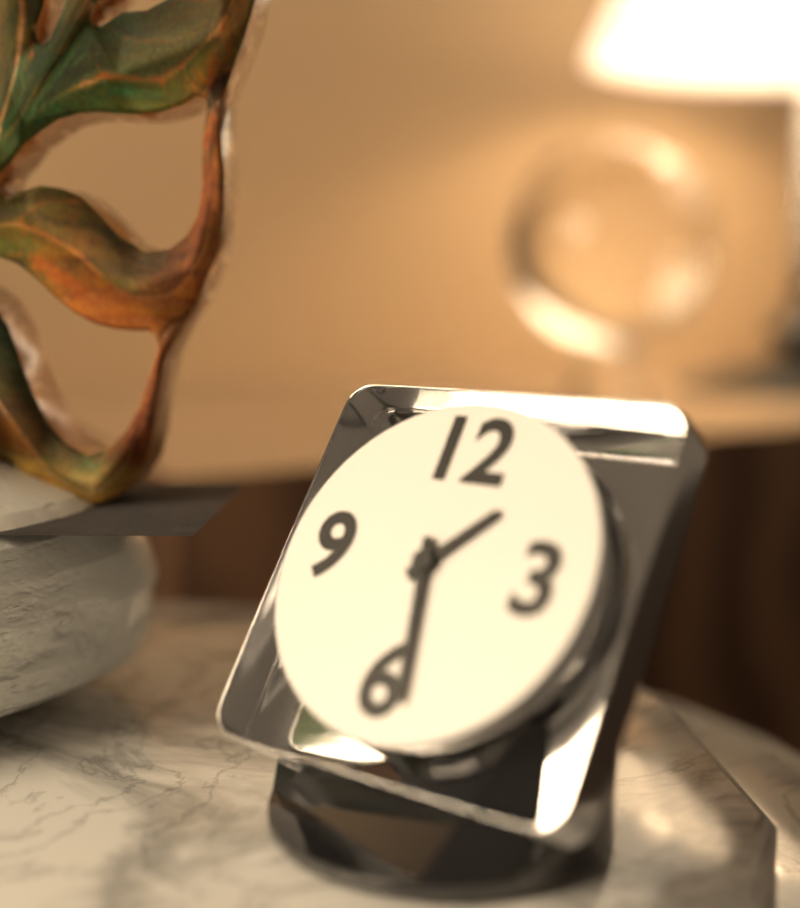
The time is 1,28
